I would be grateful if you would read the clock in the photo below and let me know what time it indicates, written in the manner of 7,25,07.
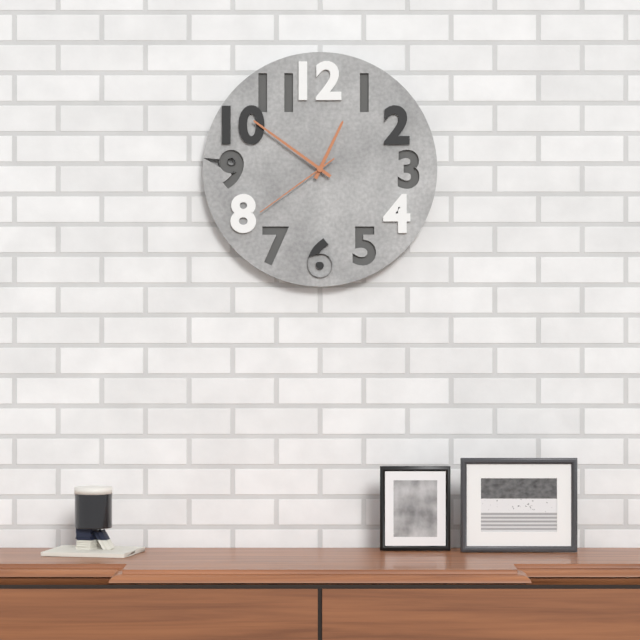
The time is 12,51,39
